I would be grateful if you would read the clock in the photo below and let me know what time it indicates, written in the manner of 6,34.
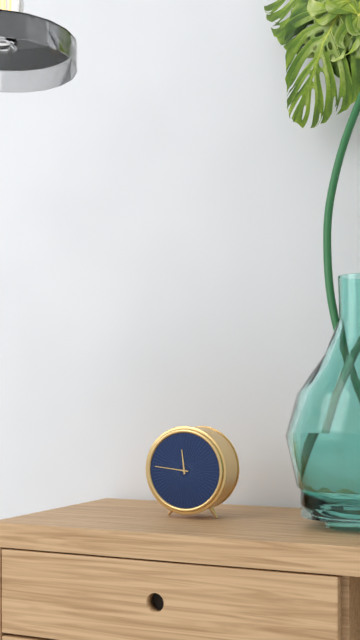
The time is 11,46
